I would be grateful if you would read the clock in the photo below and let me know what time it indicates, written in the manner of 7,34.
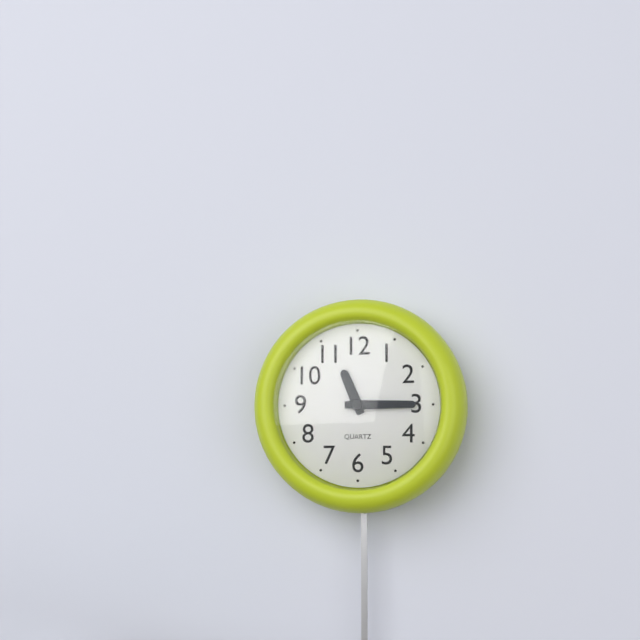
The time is 11,15
